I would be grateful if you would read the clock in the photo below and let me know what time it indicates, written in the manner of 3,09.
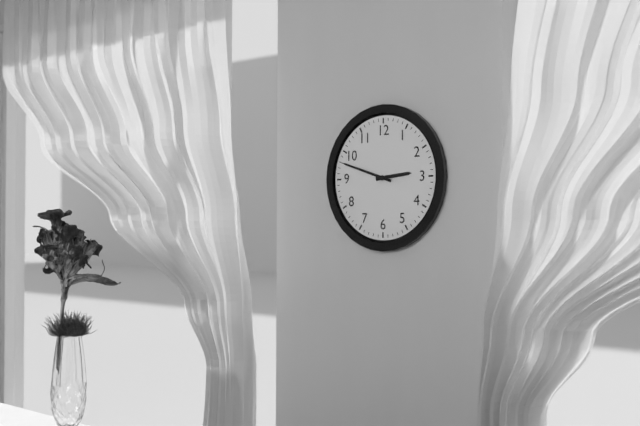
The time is 2,48
